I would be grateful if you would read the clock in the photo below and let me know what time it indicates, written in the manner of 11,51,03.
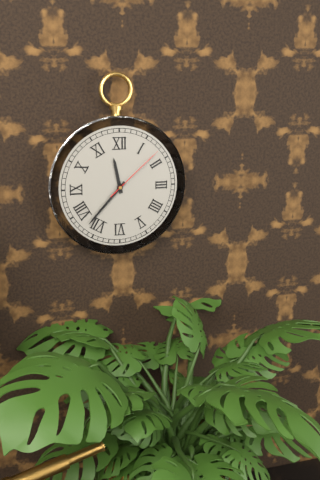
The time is 11,37,08
